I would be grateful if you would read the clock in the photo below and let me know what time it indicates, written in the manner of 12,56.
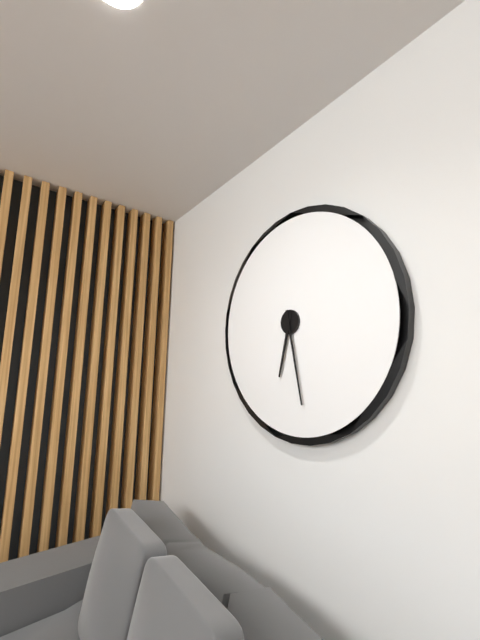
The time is 6,28
